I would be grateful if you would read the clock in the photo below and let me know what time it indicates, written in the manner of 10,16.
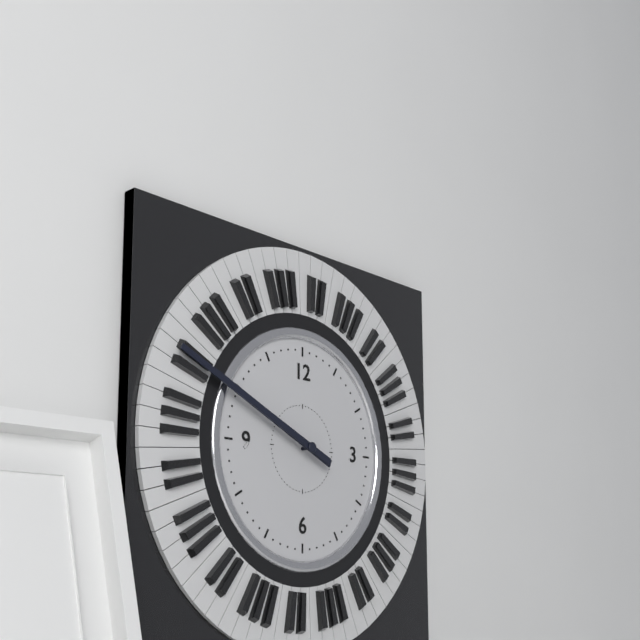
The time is 9,49
